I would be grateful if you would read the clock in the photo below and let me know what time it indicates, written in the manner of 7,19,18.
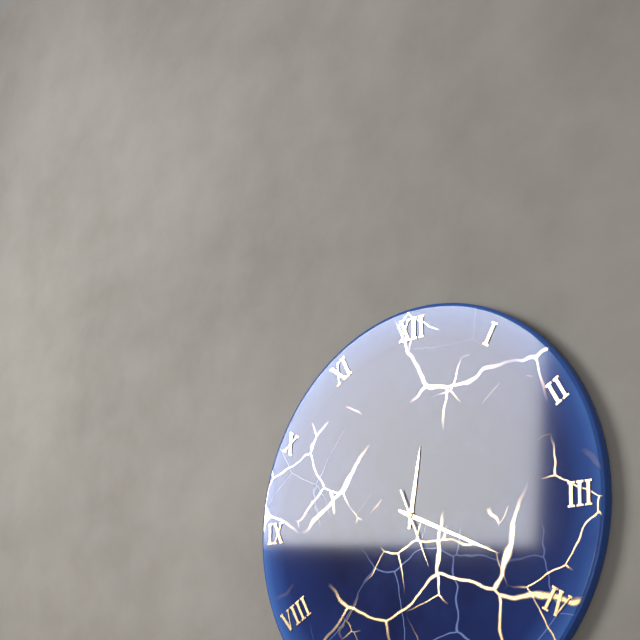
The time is 12,19,26
